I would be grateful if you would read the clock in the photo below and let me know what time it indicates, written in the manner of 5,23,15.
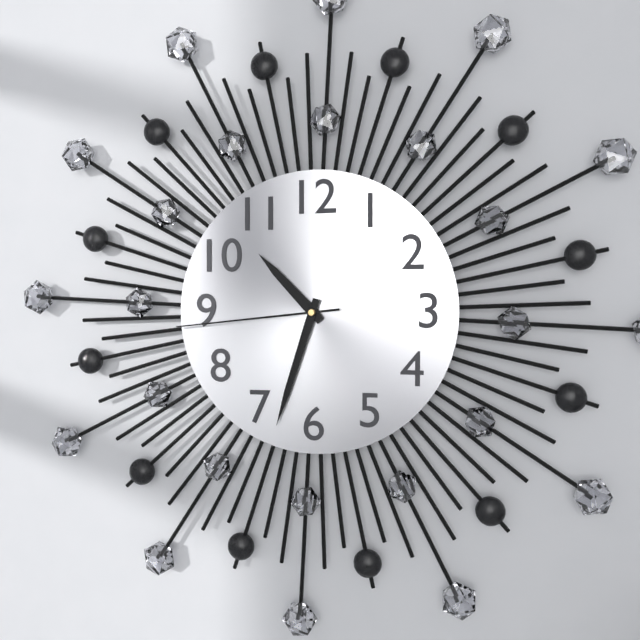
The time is 10,33,44
